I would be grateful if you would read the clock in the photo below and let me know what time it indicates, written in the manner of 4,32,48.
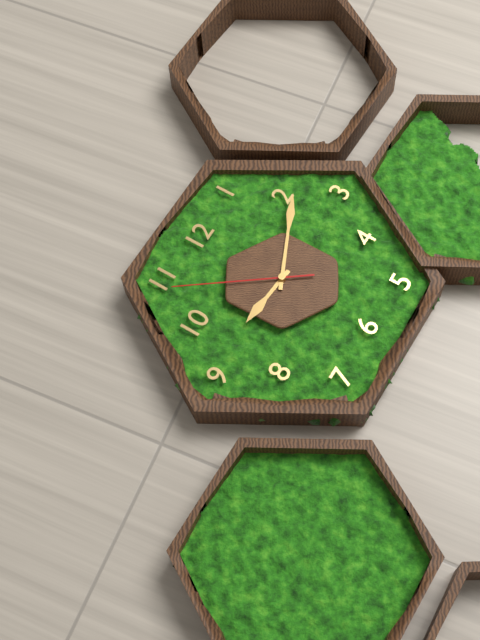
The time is 9,11,54
